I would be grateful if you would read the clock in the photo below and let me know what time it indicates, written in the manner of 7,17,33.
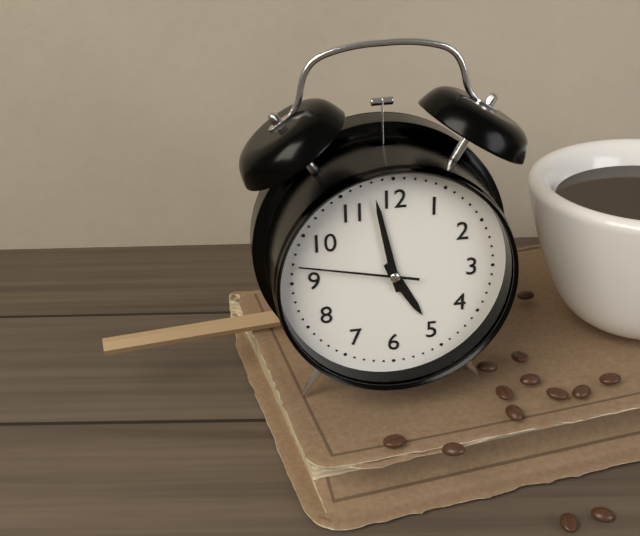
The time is 4,58,47
